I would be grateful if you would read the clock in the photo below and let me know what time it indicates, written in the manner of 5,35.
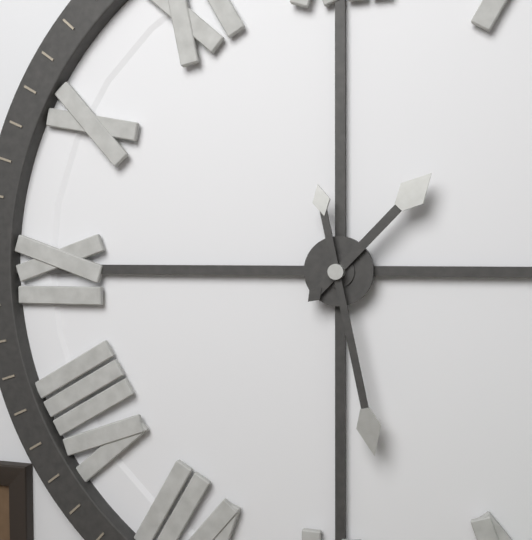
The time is 1,28
